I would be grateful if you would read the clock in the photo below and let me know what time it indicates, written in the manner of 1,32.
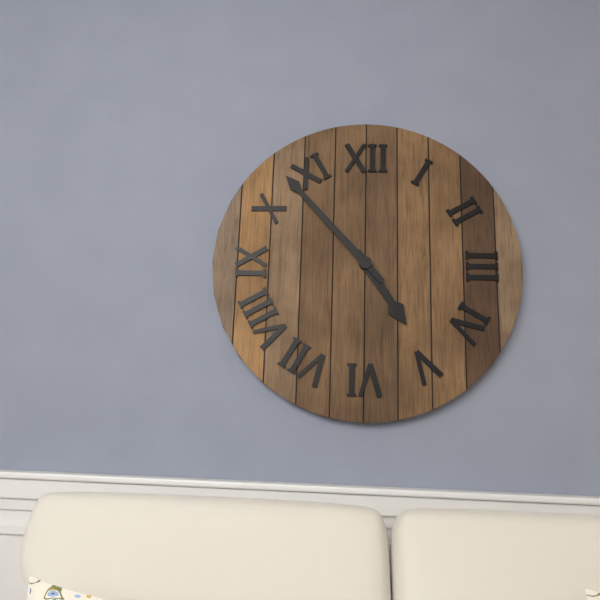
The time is 4,53
